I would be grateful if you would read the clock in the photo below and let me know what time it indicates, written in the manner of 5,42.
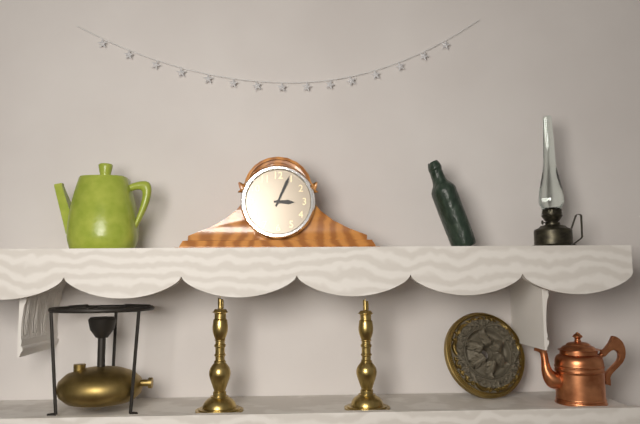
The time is 3,04
